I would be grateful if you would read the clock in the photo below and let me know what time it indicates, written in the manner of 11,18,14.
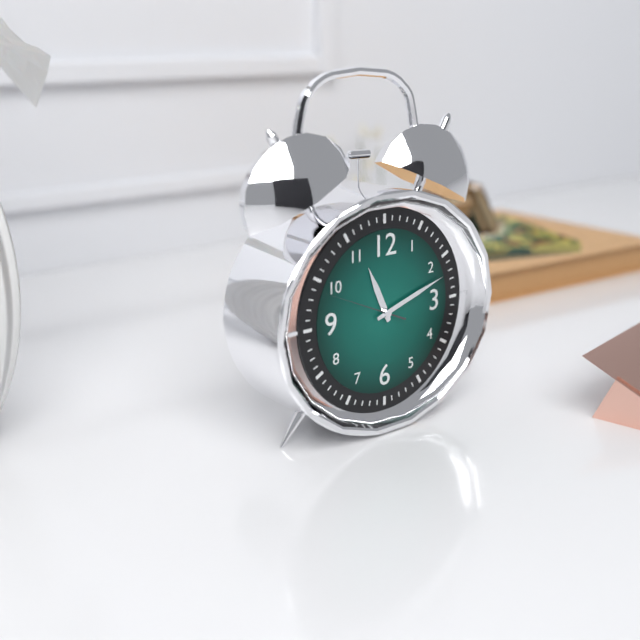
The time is 11,12,49
